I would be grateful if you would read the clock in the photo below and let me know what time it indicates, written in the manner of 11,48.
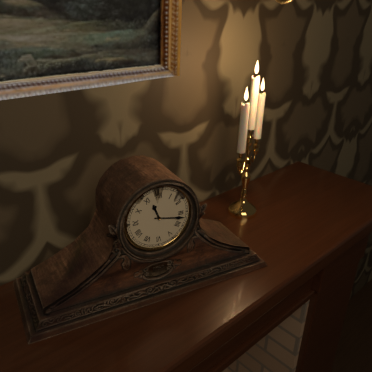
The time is 11,17
